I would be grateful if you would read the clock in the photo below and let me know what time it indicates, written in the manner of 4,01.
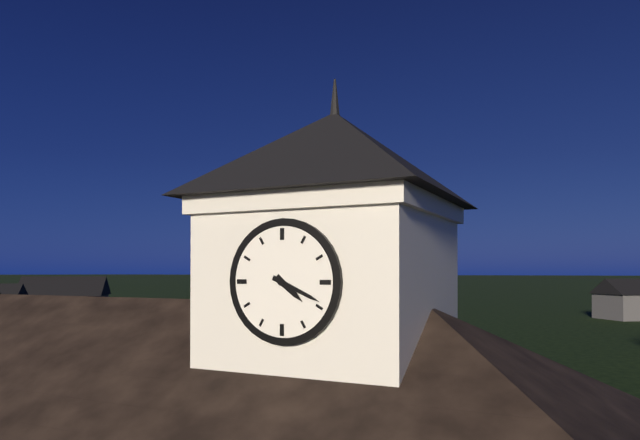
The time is 4,19
